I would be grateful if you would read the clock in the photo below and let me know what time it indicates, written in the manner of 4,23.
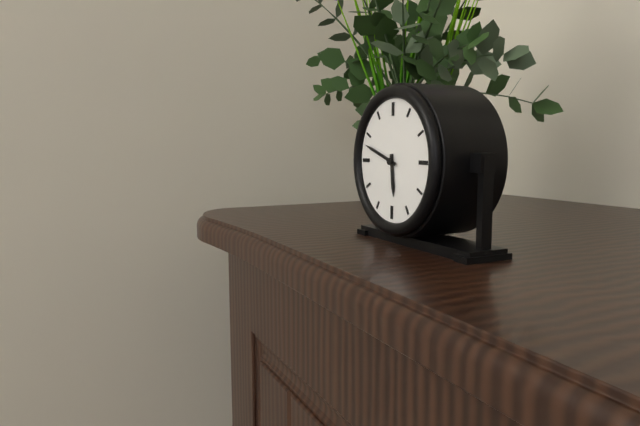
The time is 5,48
